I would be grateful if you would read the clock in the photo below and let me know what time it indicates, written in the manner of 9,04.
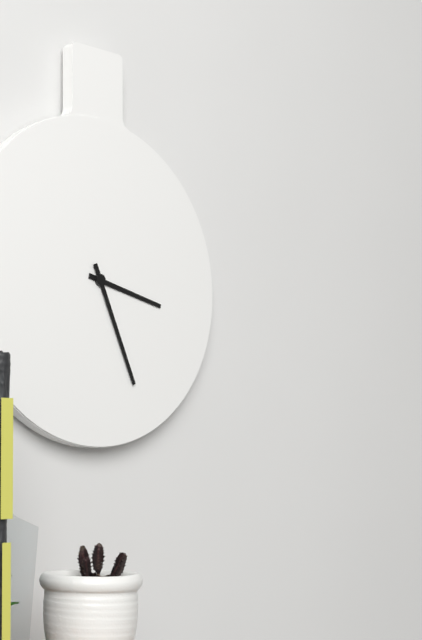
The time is 3,26
